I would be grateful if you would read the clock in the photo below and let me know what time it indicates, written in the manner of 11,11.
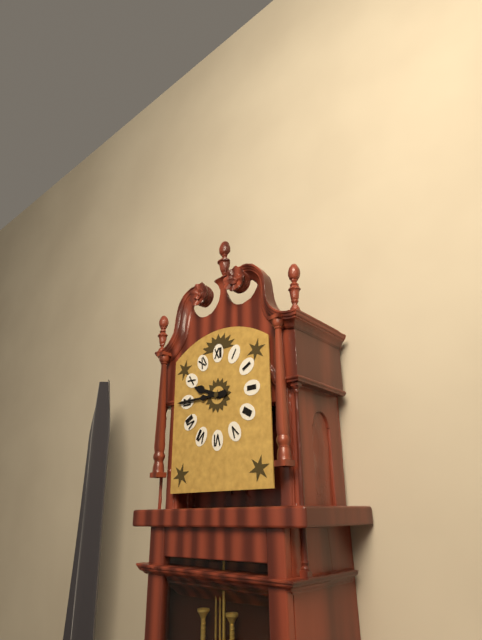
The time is 9,45
